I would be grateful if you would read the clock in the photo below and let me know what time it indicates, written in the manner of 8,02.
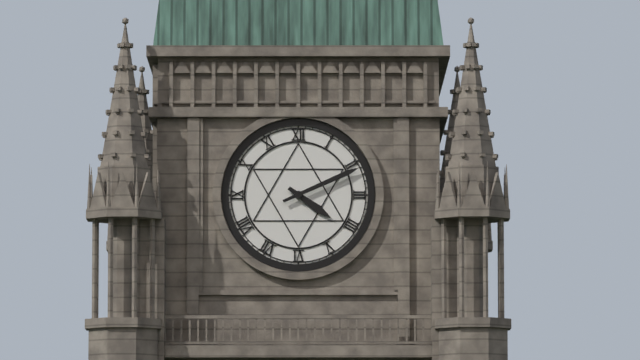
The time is 4,11
